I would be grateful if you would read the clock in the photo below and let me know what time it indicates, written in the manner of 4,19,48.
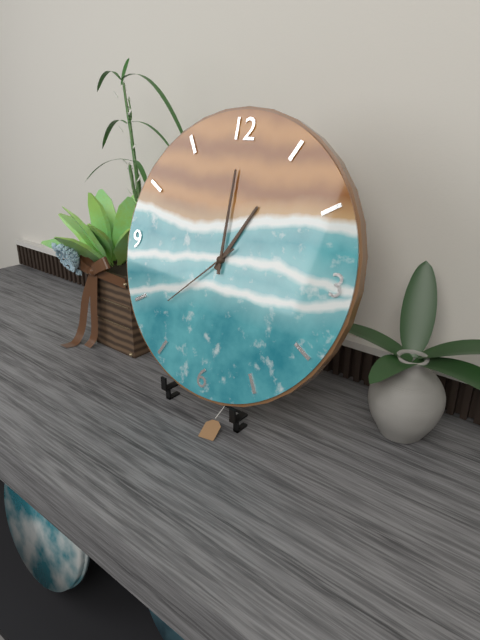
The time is 1,00,38
